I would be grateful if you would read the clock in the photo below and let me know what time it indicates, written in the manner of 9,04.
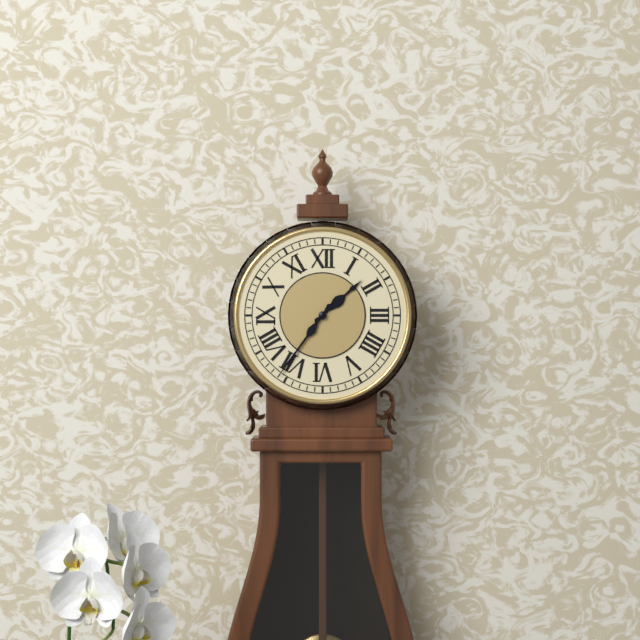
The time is 1,36
